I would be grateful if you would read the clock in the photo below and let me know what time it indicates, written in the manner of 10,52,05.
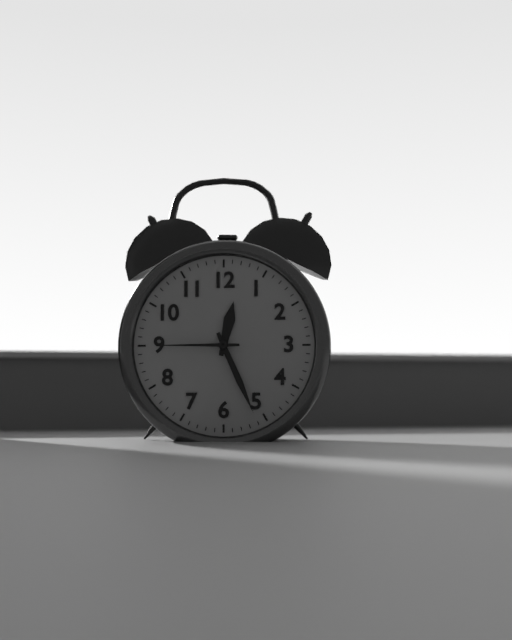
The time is 12,26,45
